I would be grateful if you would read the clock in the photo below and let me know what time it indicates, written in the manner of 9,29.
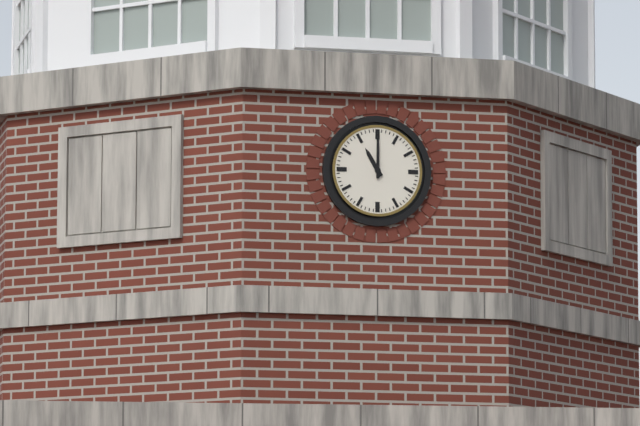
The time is 11,00
